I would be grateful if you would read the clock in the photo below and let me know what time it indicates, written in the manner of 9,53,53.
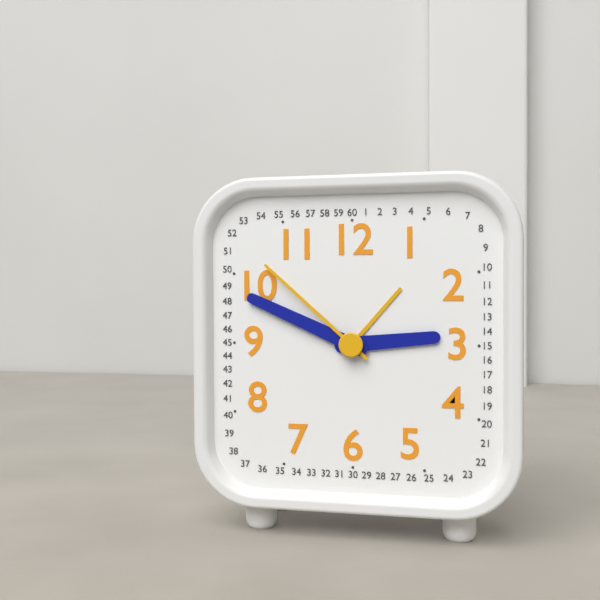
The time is 2,49,52
